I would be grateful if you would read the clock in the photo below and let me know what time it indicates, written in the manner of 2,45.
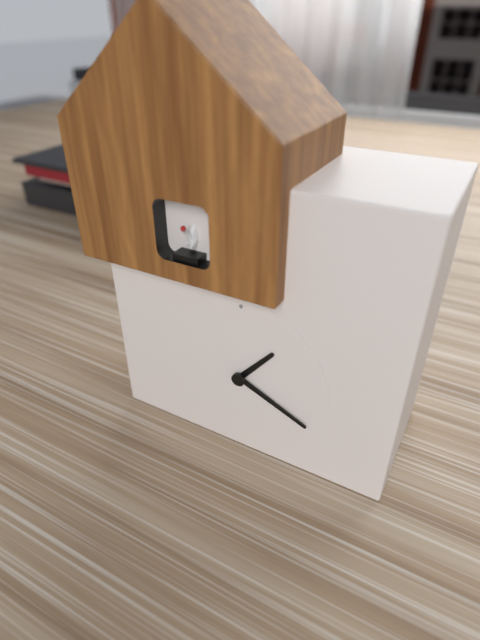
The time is 1,19
